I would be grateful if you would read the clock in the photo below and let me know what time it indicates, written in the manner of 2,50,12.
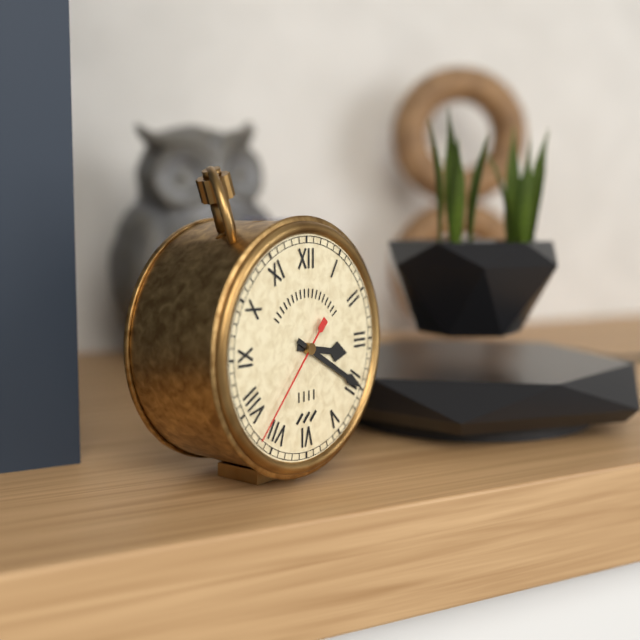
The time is 3,20,37
